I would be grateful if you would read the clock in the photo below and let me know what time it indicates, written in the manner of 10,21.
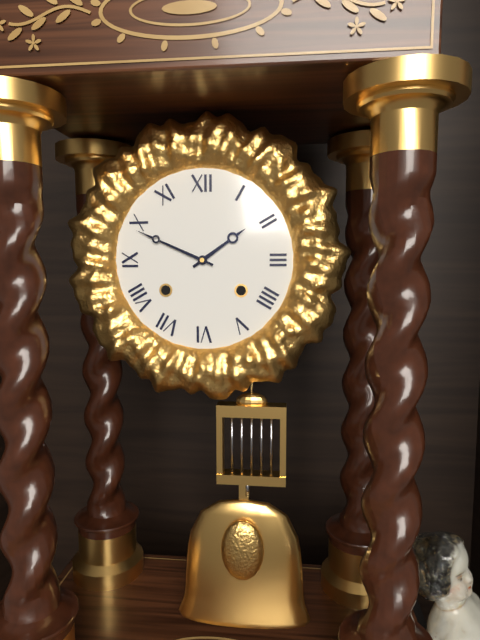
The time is 1,49
